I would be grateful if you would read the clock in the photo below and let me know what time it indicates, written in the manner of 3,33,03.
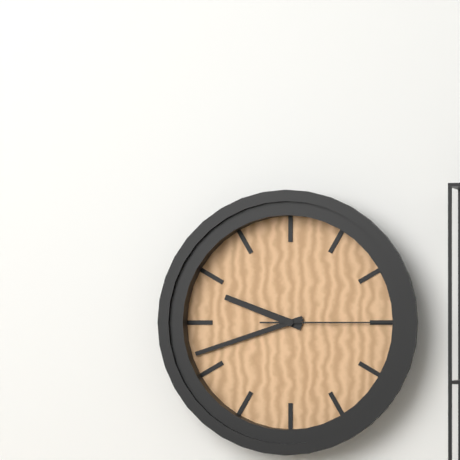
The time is 9,42,15
